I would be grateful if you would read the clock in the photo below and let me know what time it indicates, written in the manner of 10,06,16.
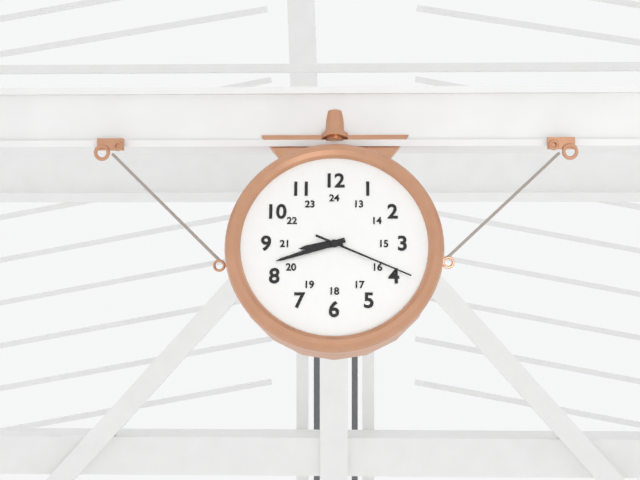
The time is 8,42,19
